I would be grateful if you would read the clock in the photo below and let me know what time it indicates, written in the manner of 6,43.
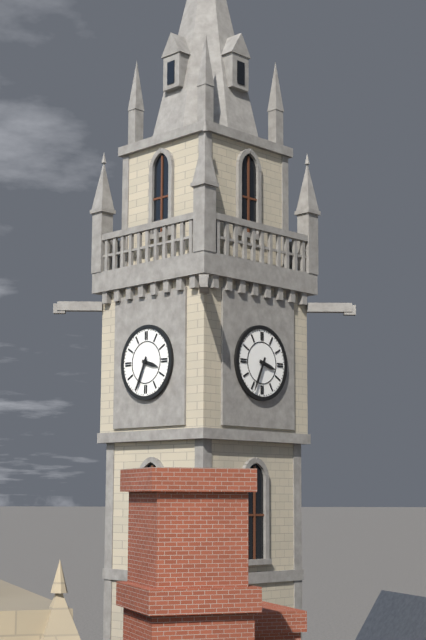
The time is 3,34
